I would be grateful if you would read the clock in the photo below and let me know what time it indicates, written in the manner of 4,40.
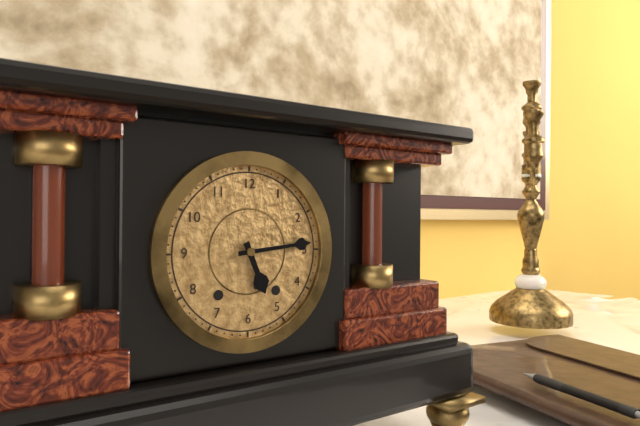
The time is 5,14
